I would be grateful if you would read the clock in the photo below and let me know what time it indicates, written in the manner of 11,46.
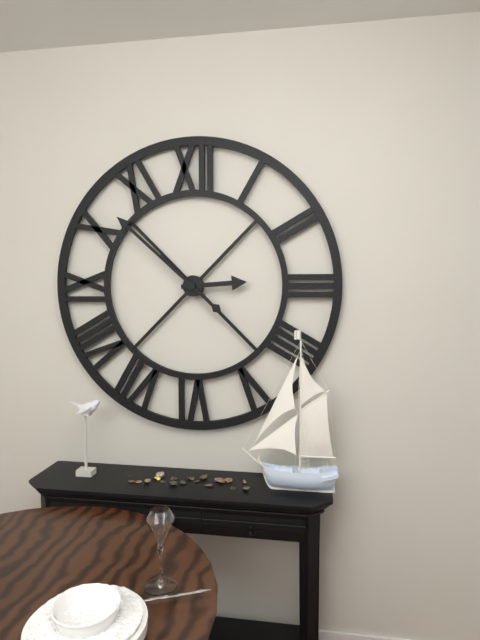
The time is 2,52
